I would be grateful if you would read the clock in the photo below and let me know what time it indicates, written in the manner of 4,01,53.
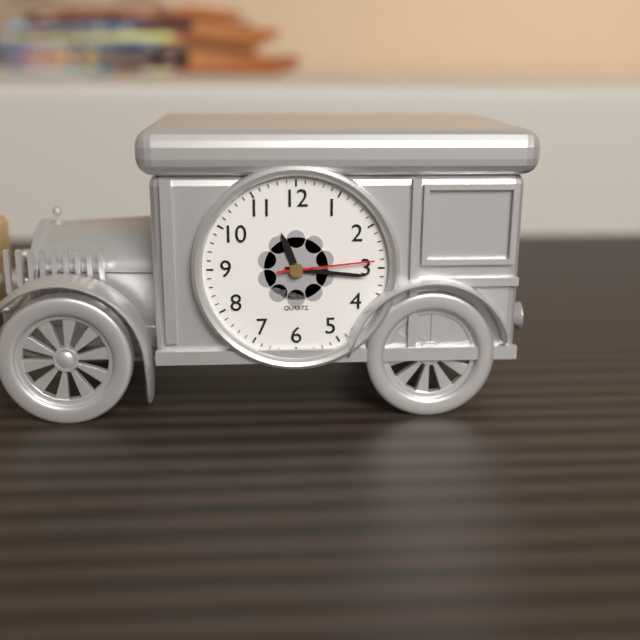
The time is 11,16,14
